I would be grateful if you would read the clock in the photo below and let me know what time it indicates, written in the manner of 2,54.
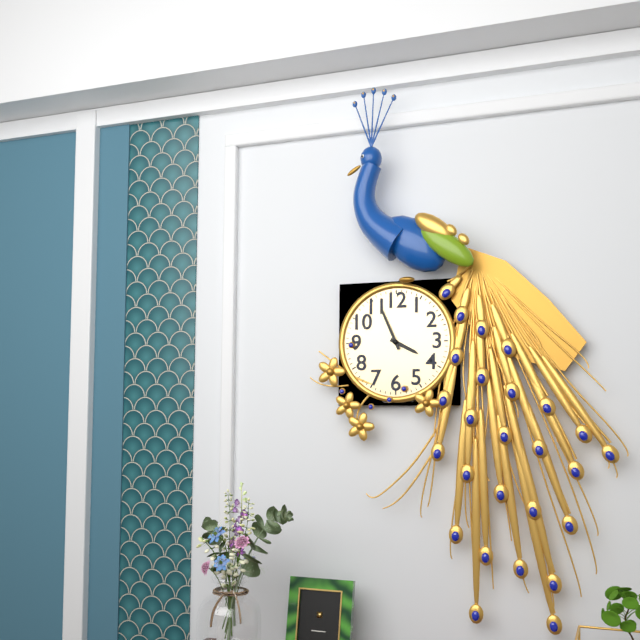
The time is 3,56
